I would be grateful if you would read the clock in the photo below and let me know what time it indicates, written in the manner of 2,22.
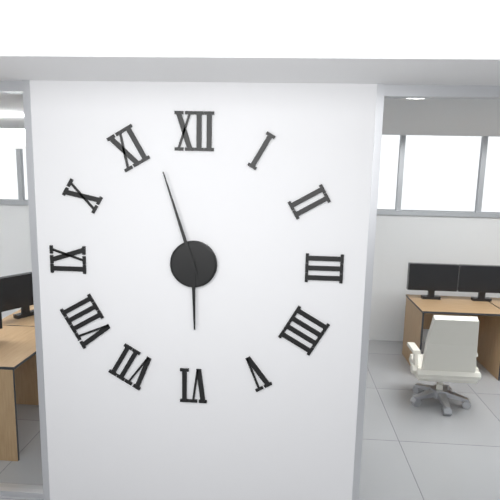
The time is 5,57
